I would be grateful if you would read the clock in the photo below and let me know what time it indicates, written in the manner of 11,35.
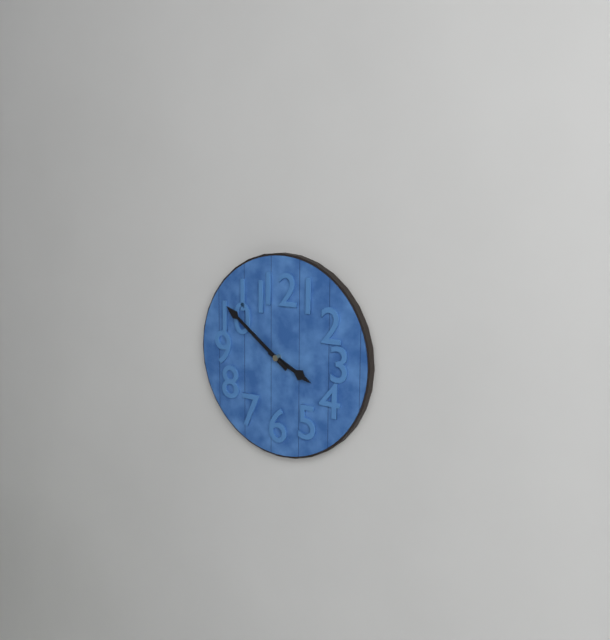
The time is 3,51
